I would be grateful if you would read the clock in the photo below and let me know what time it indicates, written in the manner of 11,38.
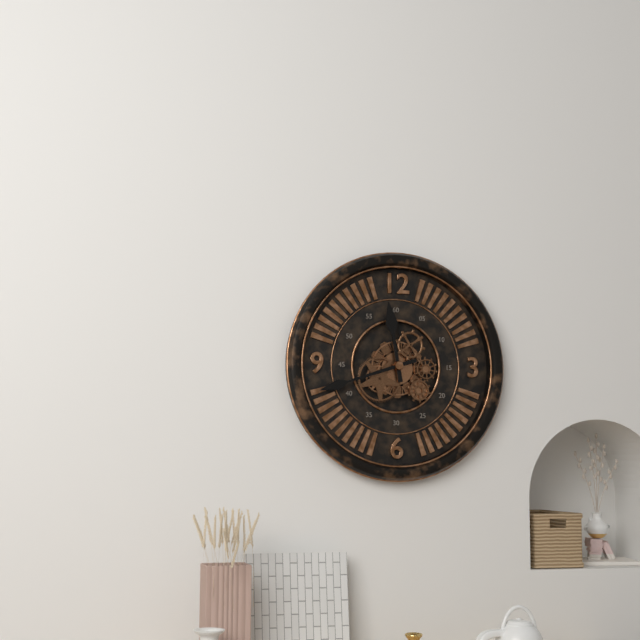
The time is 11,42
